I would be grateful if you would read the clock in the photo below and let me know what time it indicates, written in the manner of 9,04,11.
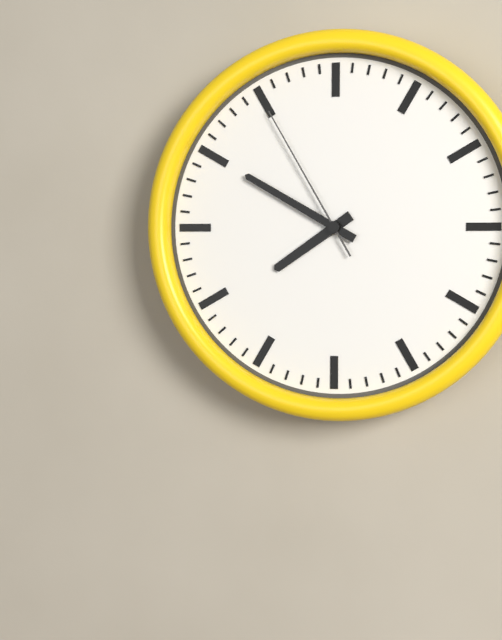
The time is 7,50,55
